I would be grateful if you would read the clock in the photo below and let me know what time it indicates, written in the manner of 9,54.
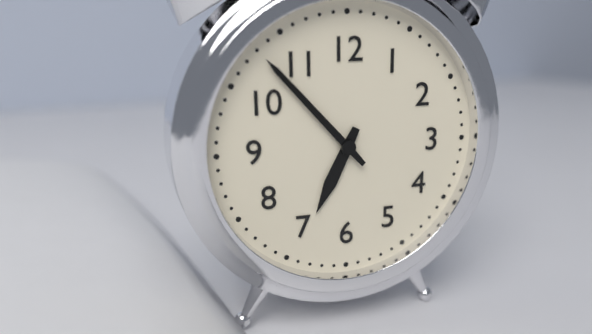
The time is 6,53
